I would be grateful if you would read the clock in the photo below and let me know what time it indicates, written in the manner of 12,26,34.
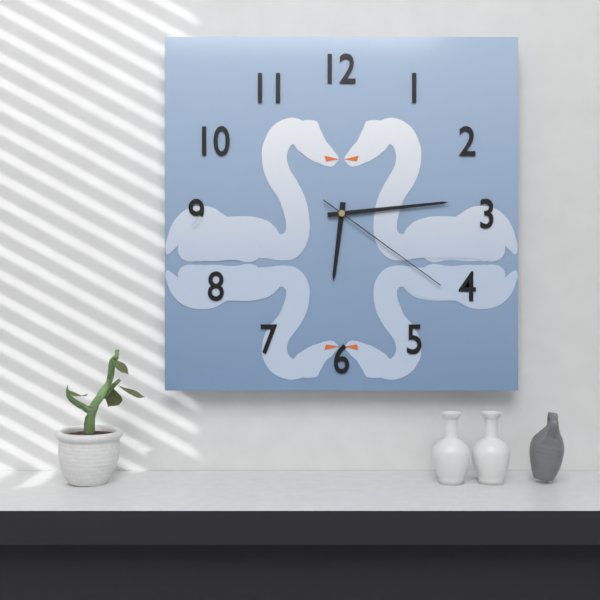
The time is 6,14,21
